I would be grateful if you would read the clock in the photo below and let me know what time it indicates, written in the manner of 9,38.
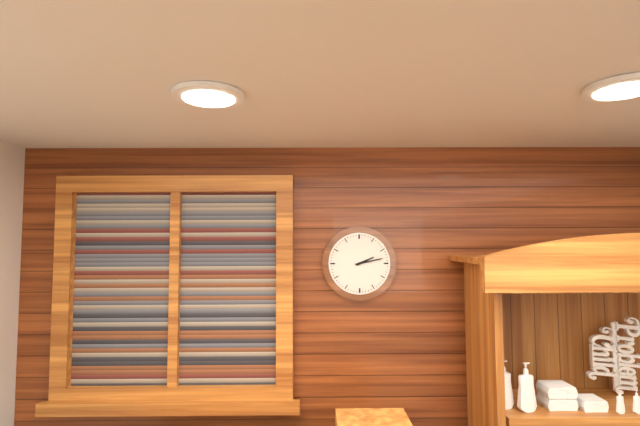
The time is 2,13
